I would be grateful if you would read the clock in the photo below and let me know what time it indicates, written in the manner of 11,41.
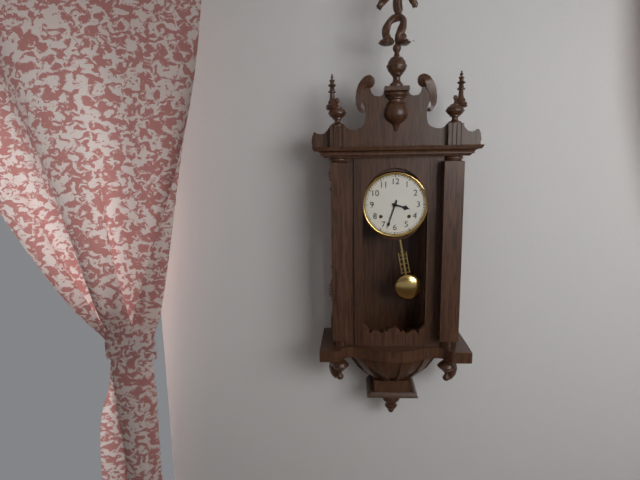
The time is 3,33
